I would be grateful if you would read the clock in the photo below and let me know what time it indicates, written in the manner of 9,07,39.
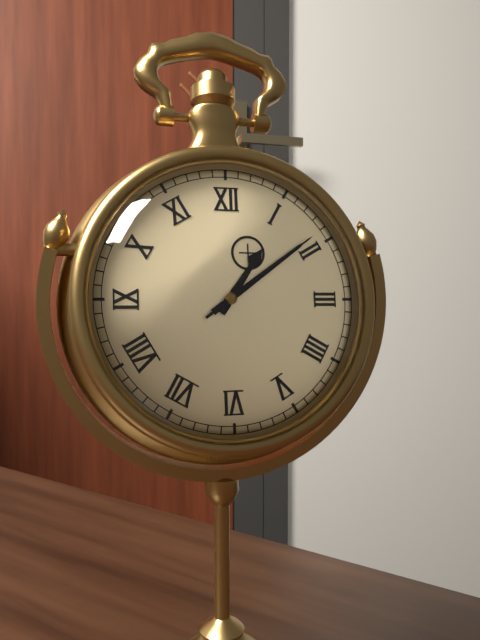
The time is 1,09,09
